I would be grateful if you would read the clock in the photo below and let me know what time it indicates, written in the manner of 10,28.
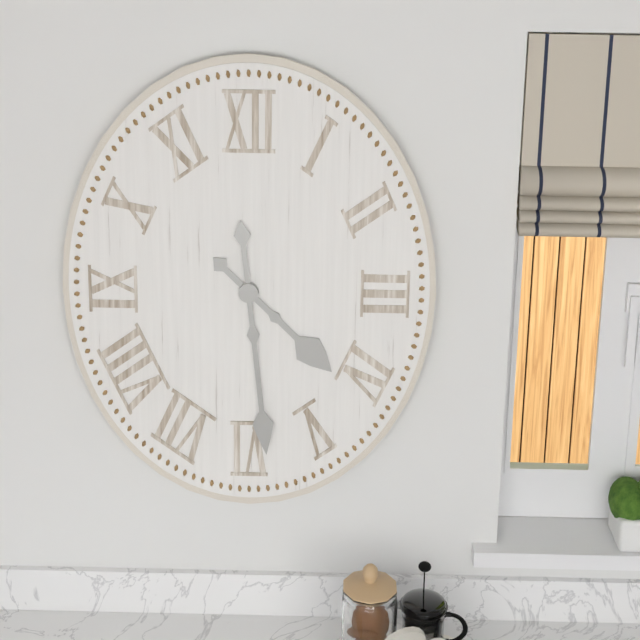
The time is 4,29
